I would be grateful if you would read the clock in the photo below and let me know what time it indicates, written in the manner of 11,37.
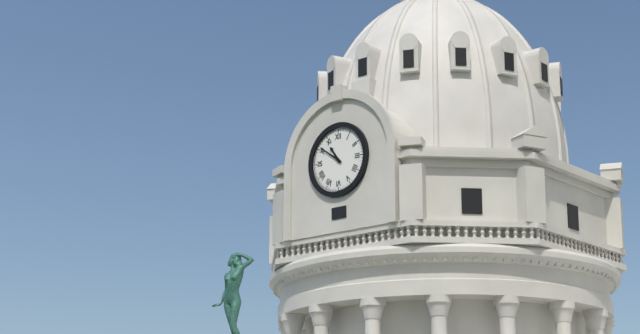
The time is 10,51
